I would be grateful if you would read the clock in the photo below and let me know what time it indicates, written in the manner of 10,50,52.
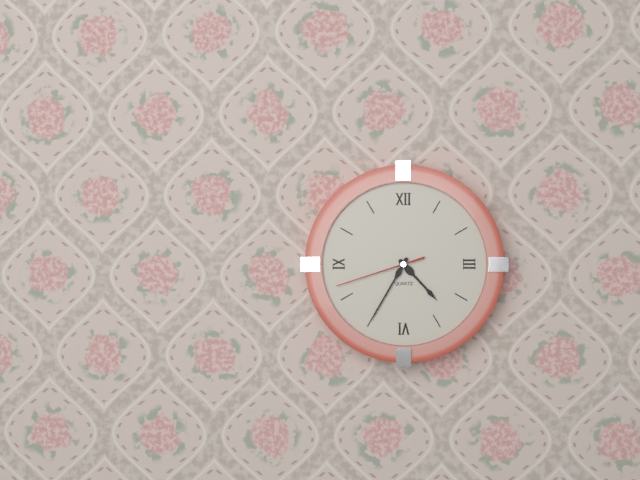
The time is 4,35,42
